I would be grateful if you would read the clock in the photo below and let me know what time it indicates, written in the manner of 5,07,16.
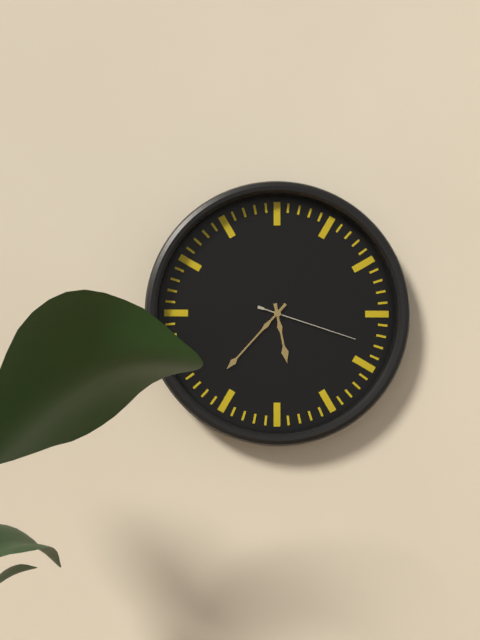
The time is 5,37,18
